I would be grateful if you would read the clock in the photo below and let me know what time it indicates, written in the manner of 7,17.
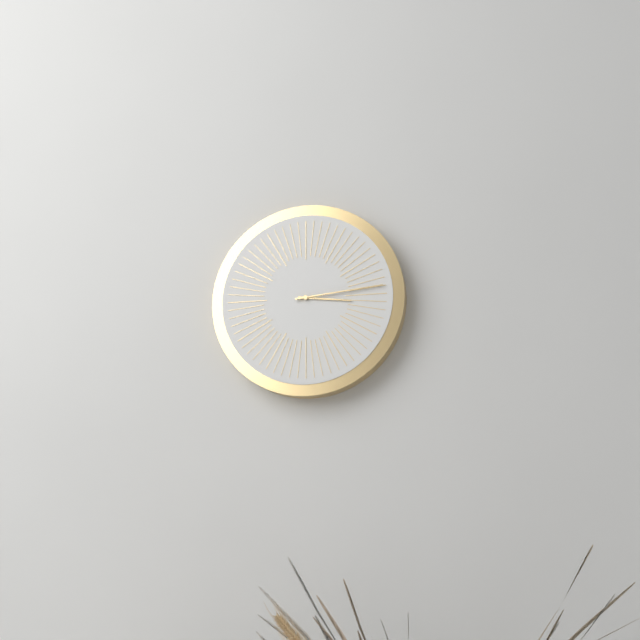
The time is 3,14
